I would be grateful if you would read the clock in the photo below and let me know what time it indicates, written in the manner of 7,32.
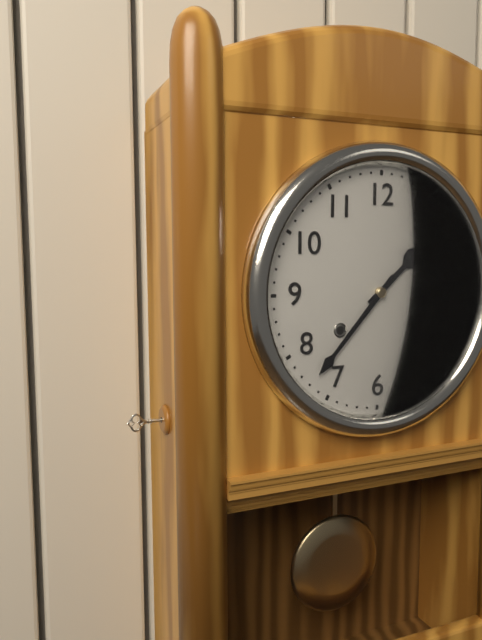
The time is 1,37
